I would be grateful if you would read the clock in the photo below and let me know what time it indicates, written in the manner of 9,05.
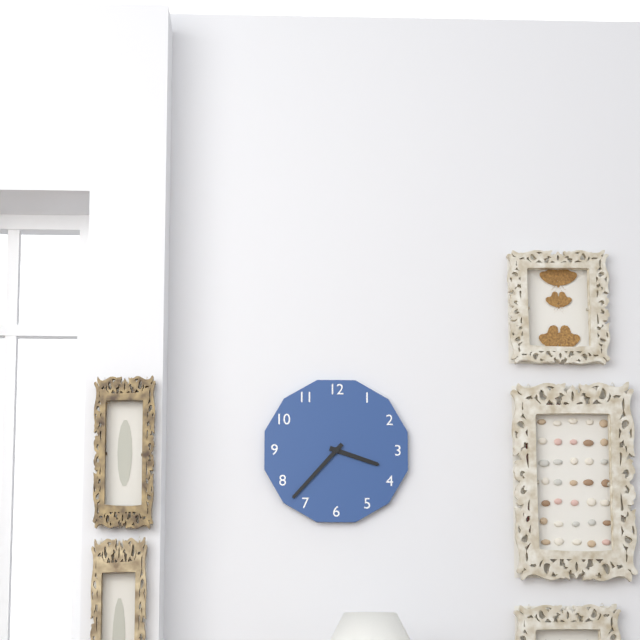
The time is 3,37
